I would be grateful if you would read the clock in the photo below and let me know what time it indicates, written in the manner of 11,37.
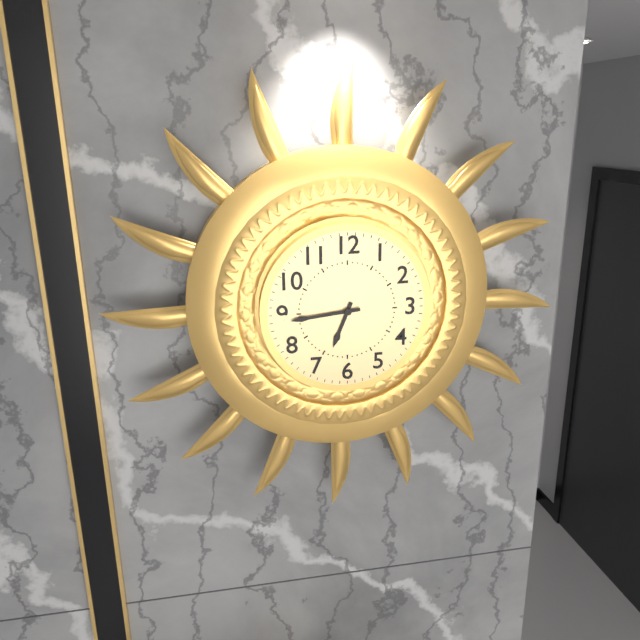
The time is 6,44
